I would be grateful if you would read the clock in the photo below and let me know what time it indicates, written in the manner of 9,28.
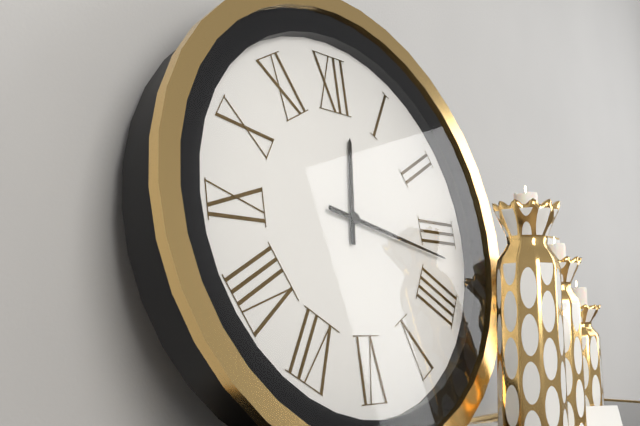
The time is 12,17
